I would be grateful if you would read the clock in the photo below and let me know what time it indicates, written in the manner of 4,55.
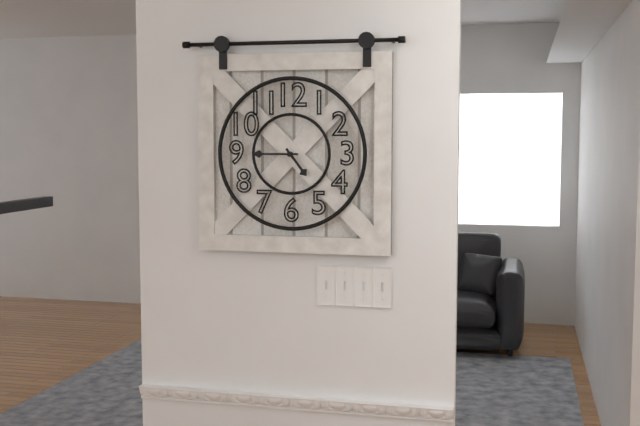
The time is 4,45
